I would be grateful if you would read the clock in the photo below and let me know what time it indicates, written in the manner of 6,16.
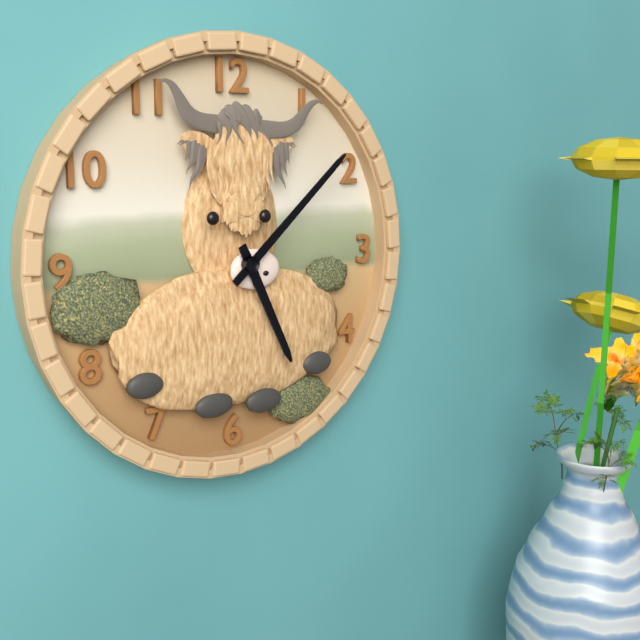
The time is 5,08
